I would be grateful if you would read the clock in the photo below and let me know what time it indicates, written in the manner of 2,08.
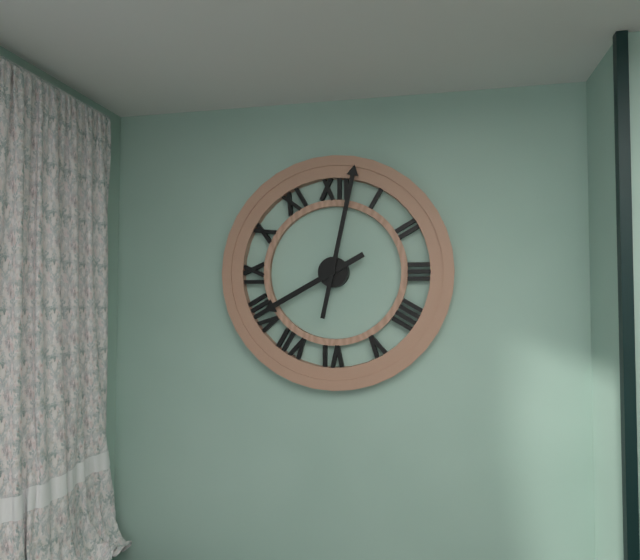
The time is 8,02
